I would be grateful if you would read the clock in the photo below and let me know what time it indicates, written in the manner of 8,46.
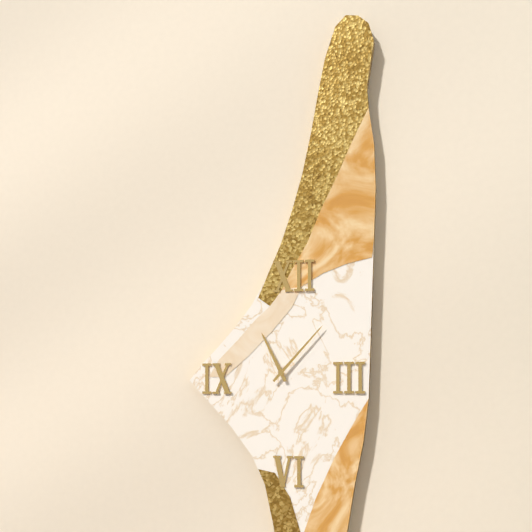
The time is 11,07
